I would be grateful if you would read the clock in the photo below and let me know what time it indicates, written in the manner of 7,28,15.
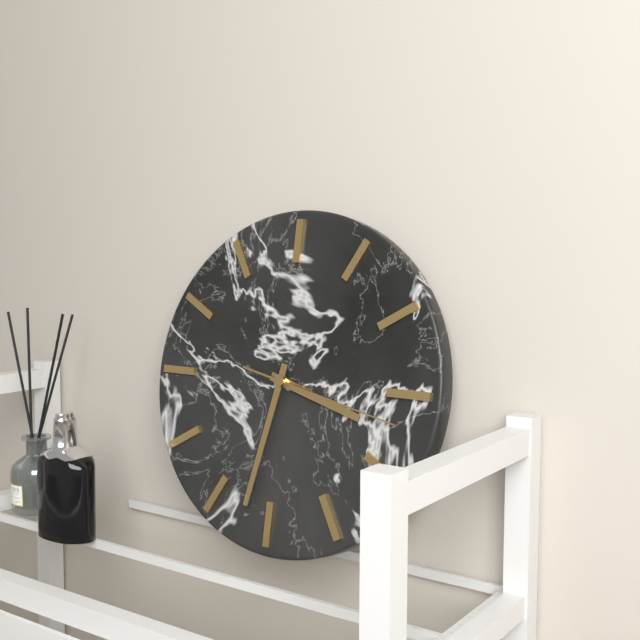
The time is 3,32,17
